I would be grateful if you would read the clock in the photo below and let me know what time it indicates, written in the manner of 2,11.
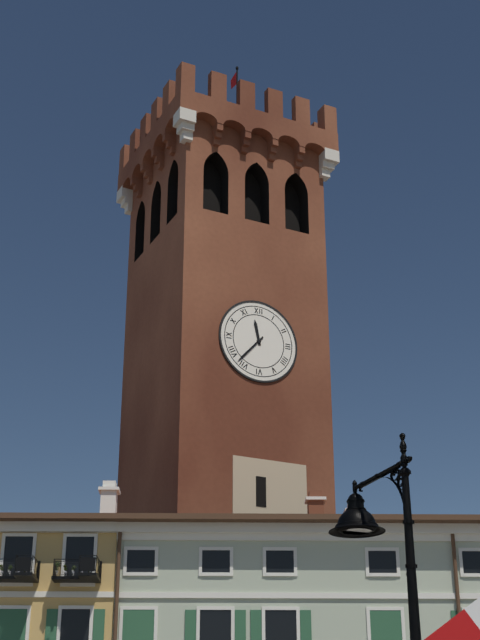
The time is 11,37
